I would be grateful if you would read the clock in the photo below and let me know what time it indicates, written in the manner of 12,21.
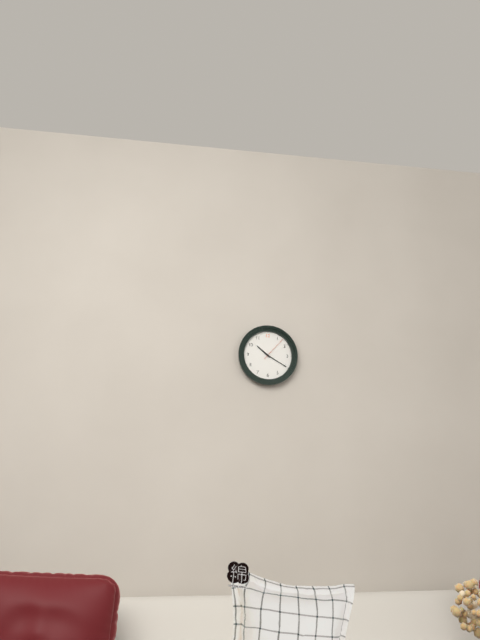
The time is 10,20
